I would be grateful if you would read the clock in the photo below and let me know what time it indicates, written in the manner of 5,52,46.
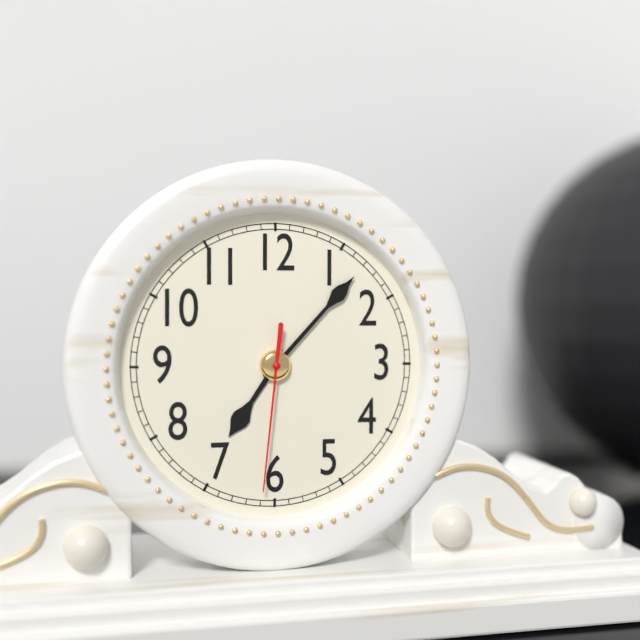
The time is 7,07,31
